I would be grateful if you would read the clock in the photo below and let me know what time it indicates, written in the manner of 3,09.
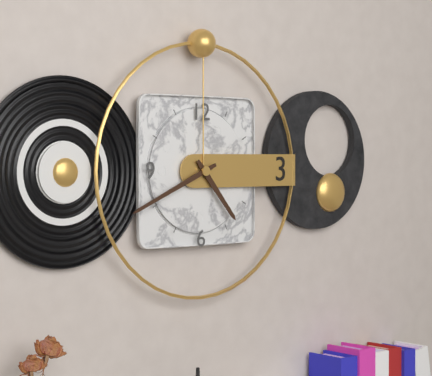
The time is 4,41
